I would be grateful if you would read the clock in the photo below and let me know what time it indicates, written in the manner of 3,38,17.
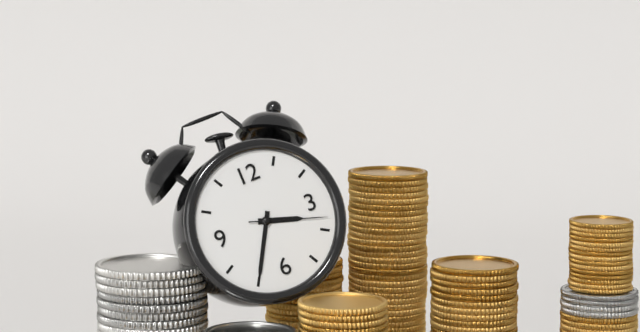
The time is 3,35,18
